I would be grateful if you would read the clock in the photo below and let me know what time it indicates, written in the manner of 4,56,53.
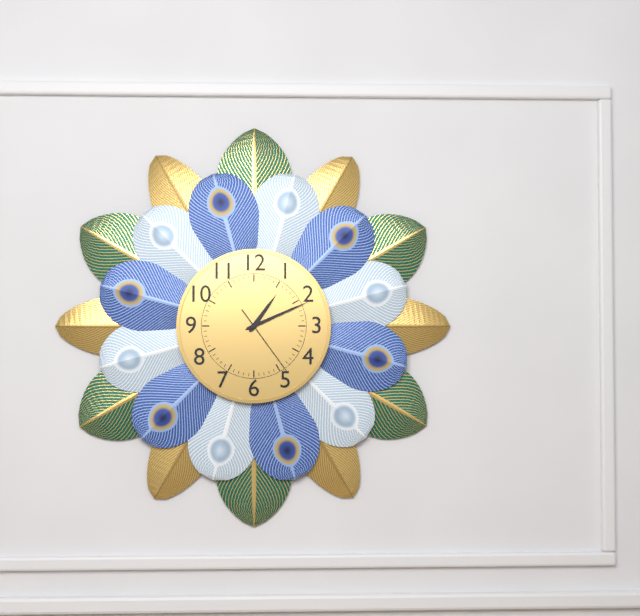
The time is 1,11,24
